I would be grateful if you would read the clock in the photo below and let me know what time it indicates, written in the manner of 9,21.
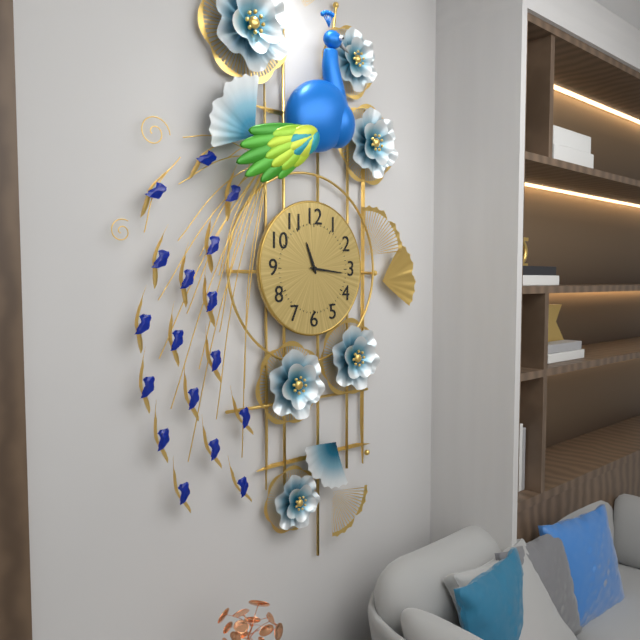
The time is 11,16
